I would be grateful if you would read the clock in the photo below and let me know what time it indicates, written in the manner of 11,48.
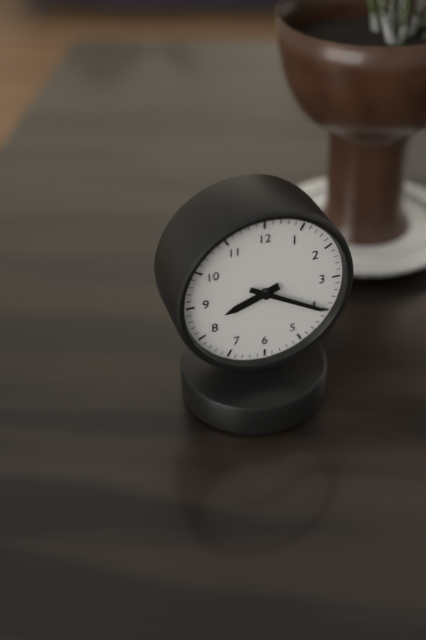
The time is 8,20
